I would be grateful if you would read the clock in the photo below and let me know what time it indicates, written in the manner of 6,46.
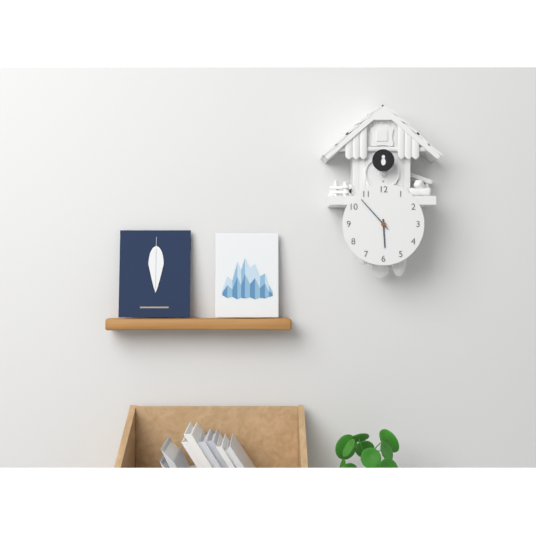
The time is 5,53
